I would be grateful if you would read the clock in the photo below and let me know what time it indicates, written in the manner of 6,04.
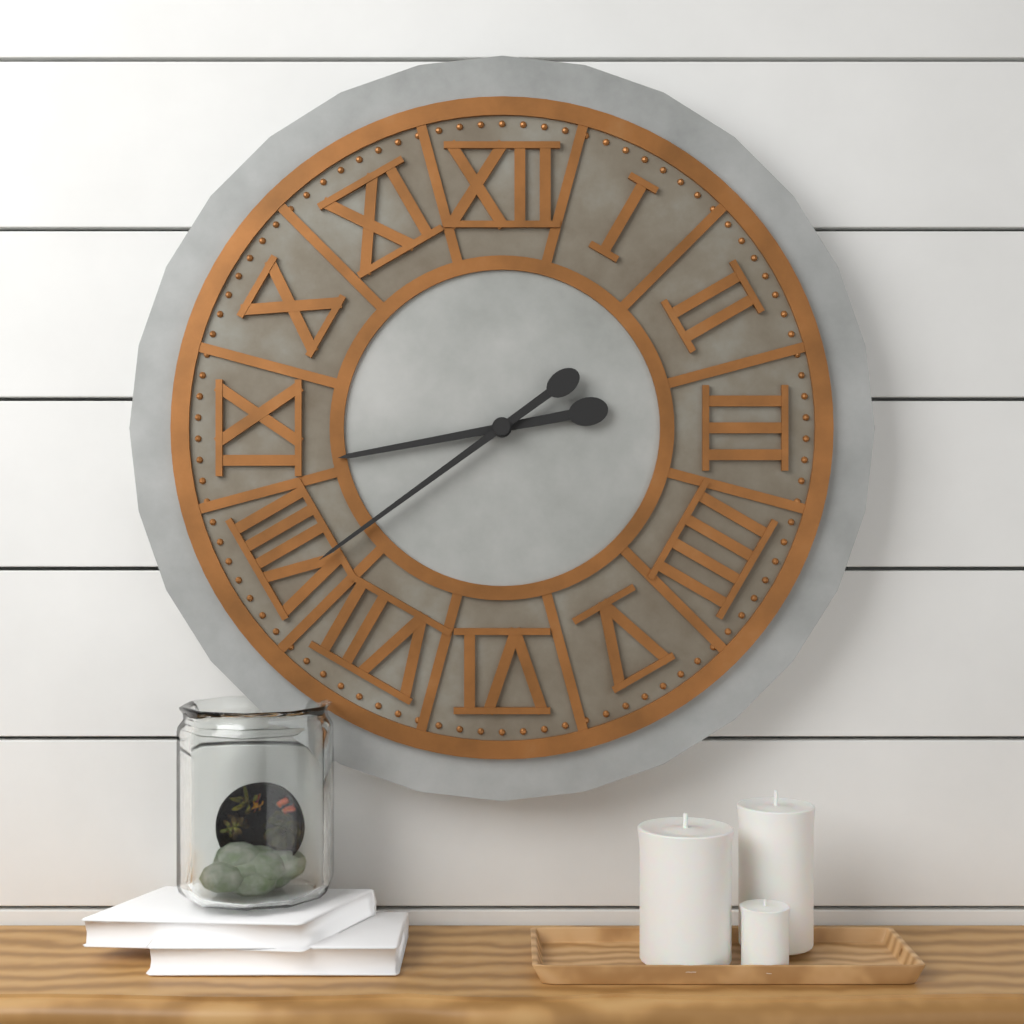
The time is 8,39
